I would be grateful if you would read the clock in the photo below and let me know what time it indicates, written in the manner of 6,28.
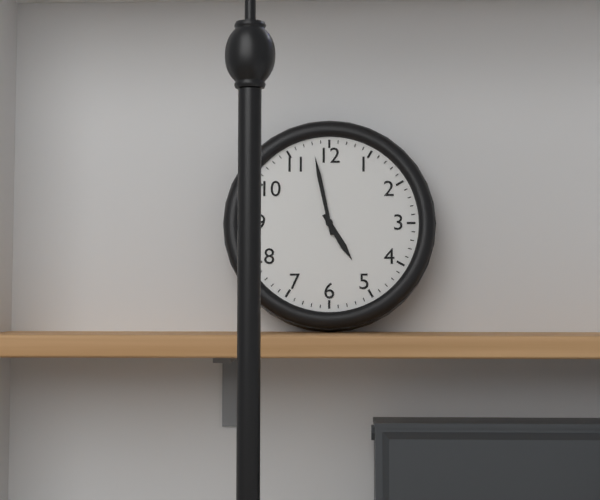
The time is 4,58
